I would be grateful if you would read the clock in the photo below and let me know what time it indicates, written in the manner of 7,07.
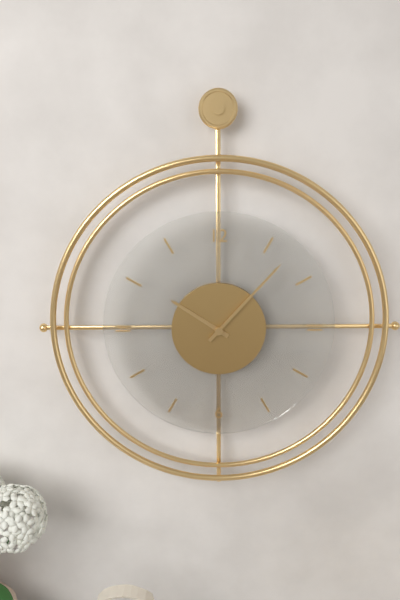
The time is 10,07
